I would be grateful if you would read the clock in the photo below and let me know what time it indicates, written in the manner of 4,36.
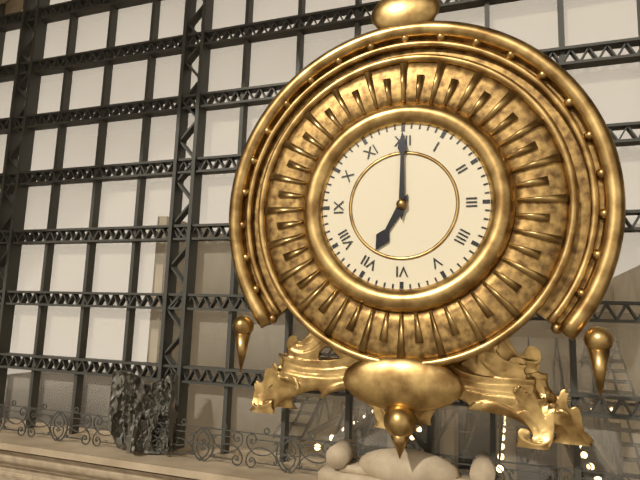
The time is 7,00
